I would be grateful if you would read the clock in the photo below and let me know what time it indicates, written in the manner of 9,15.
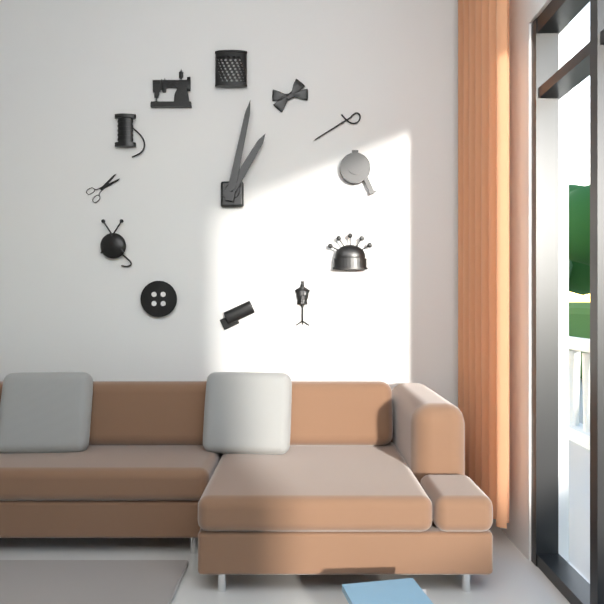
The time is 1,02
